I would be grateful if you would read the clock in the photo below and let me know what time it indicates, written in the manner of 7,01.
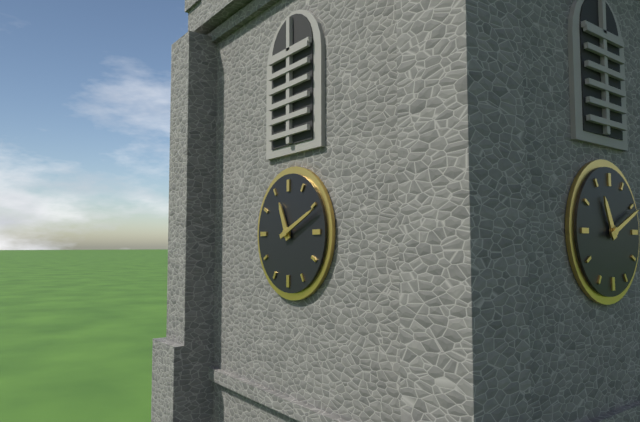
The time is 11,11
